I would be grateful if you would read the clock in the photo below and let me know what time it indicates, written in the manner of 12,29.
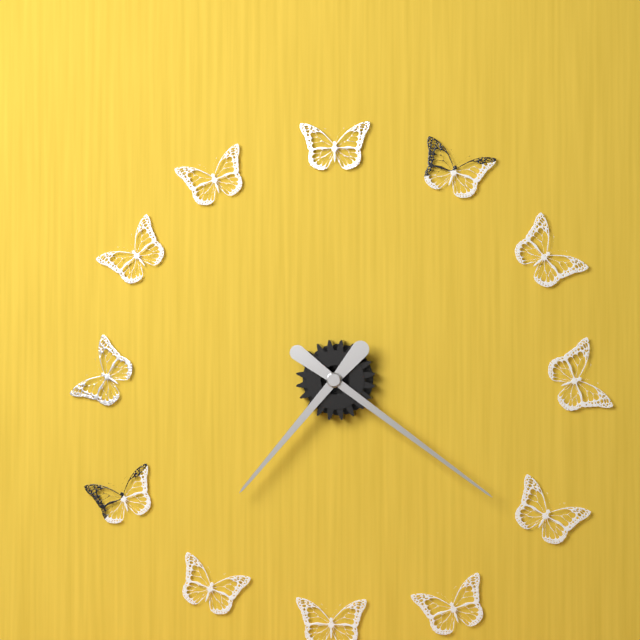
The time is 7,21
